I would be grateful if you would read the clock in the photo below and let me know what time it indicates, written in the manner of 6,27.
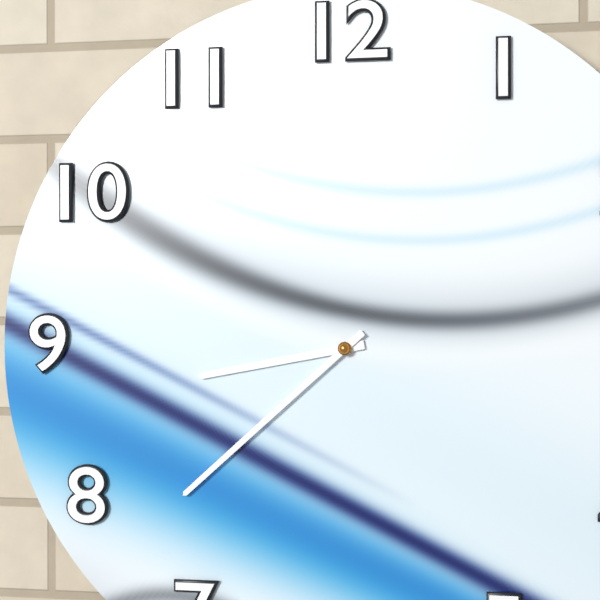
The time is 8,38
